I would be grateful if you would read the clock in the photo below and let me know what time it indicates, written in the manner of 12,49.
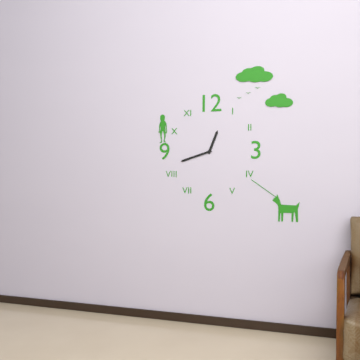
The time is 12,42
